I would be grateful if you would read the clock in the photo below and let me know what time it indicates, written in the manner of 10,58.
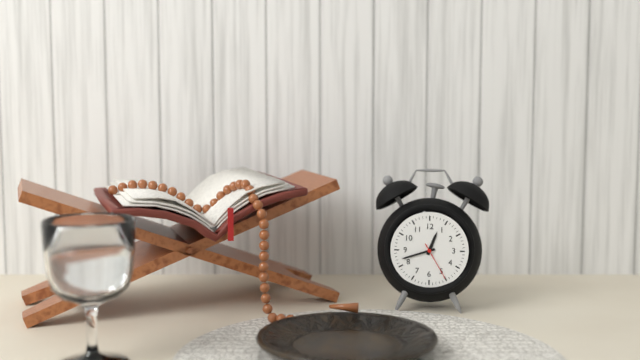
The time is 12,42
